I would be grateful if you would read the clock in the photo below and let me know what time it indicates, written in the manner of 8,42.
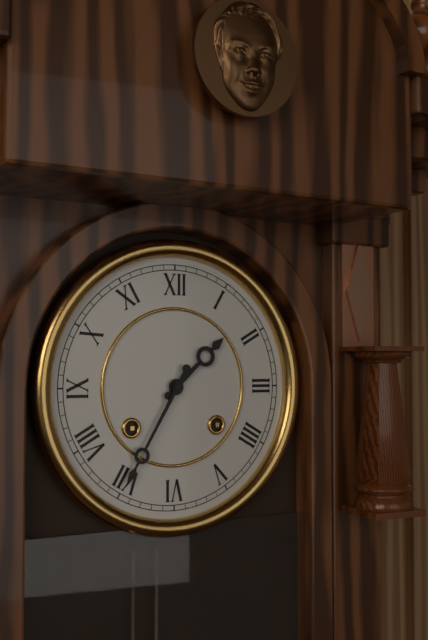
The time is 1,35
